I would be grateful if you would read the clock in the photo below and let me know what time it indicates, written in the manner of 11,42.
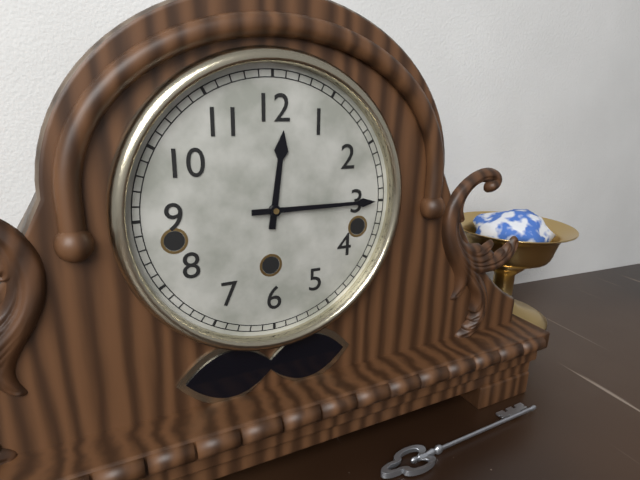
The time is 12,15
